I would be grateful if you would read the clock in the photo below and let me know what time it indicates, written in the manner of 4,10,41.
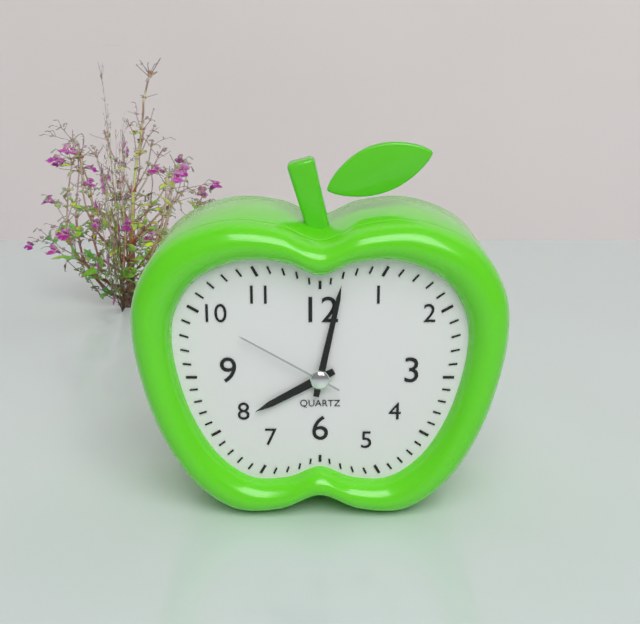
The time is 8,02,50
